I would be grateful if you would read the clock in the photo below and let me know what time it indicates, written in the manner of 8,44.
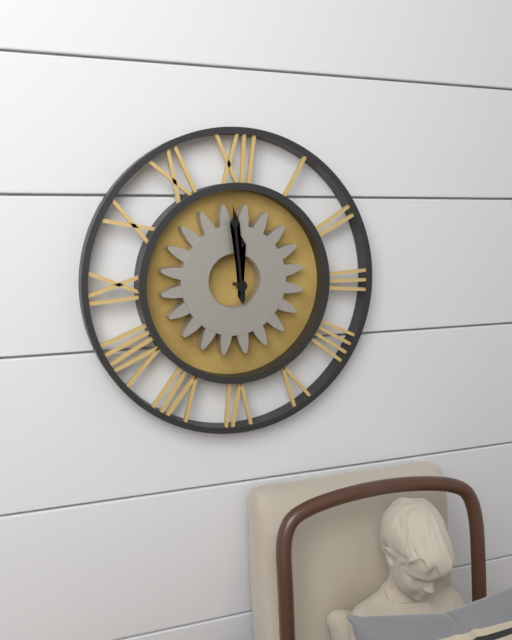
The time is 11,59
